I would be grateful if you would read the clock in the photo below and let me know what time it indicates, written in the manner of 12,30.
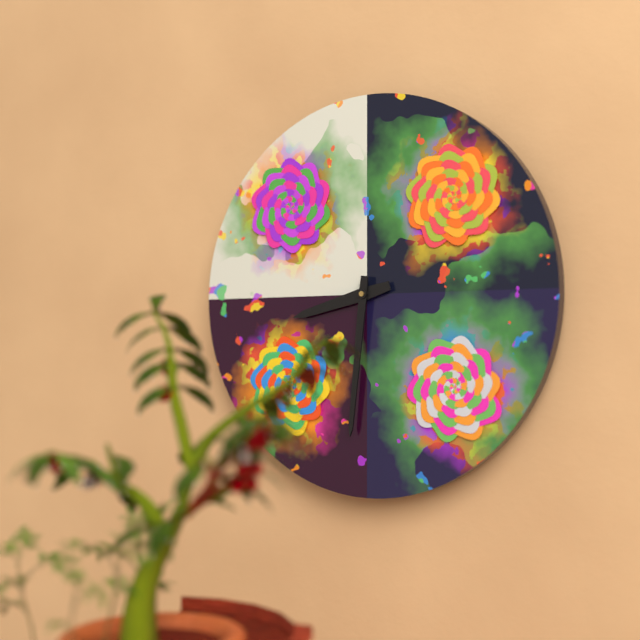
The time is 8,31
